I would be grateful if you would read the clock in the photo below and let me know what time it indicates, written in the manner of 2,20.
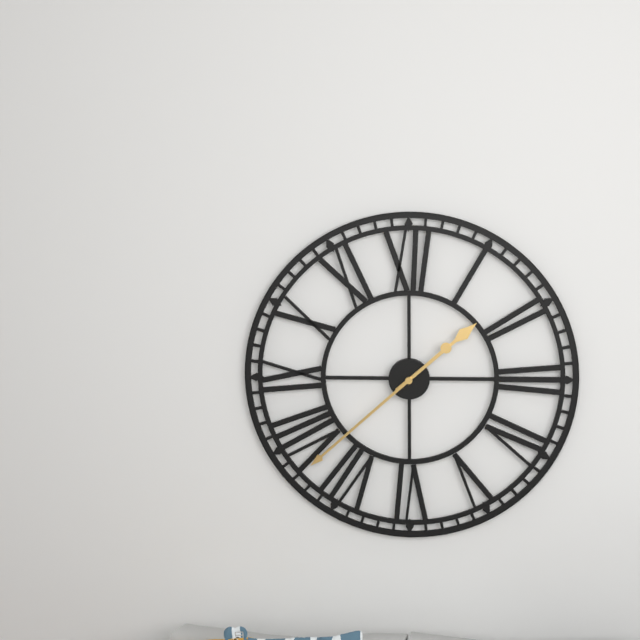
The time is 1,38
